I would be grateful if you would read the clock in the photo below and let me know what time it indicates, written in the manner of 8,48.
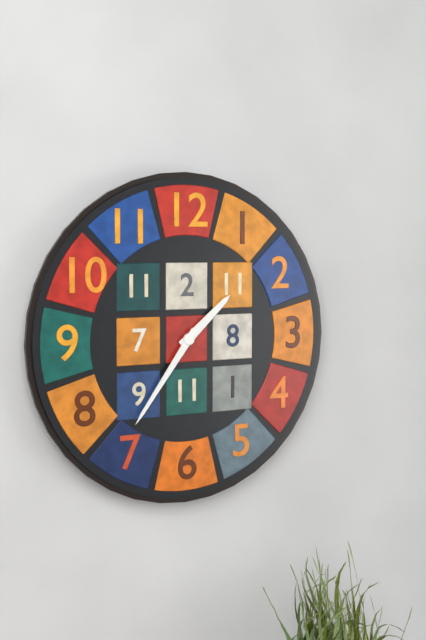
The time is 1,36
